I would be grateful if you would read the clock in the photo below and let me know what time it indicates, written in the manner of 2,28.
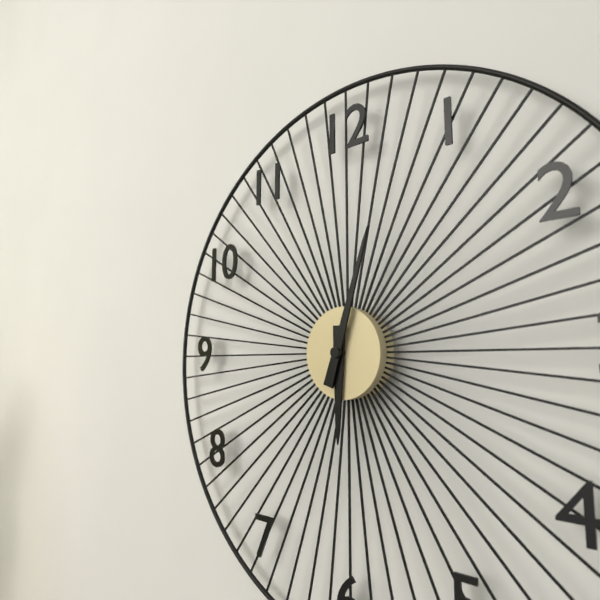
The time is 6,03
